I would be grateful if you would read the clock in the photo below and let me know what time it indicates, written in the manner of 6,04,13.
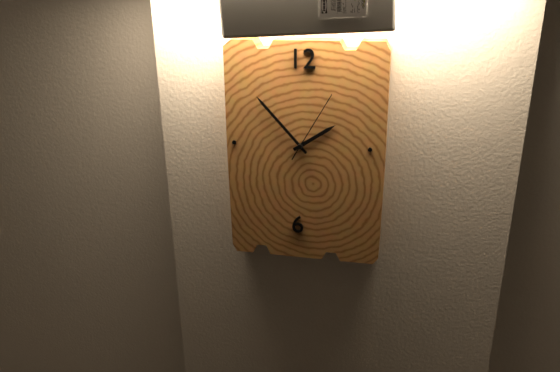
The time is 1,53,05
